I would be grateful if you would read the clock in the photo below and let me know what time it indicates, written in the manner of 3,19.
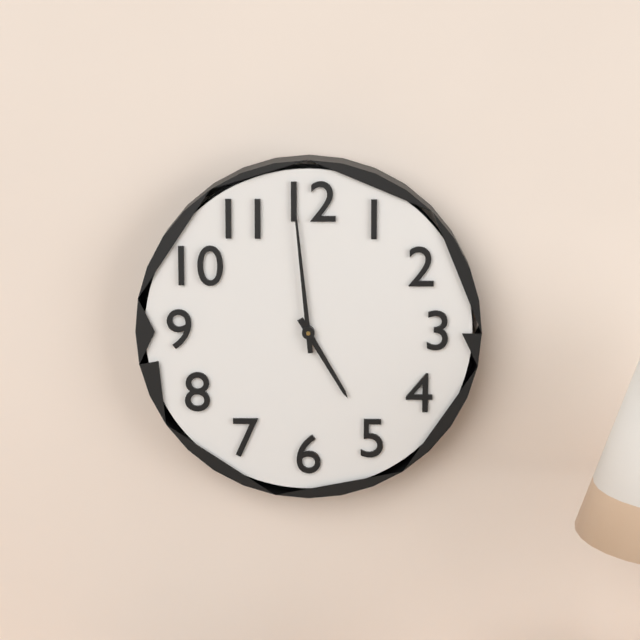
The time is 4,59
